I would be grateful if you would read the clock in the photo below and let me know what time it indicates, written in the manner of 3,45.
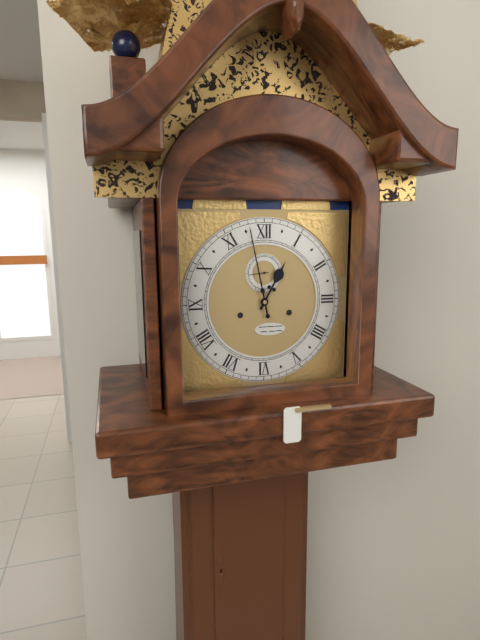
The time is 12,58
